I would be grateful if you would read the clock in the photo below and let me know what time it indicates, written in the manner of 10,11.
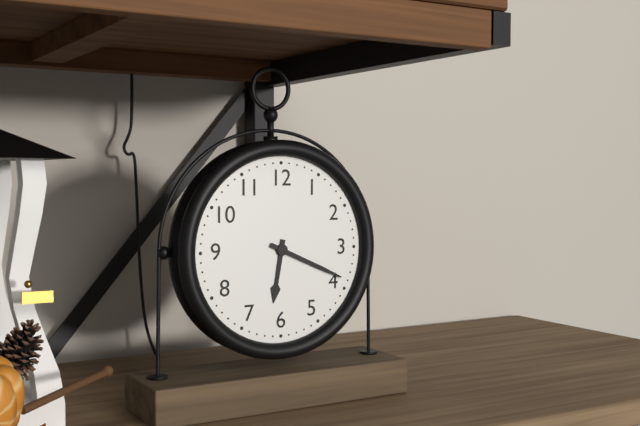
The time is 6,19
